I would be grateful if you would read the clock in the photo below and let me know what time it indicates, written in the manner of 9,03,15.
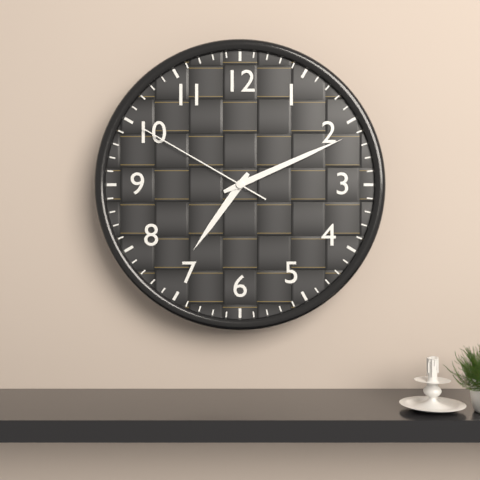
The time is 7,11,50
